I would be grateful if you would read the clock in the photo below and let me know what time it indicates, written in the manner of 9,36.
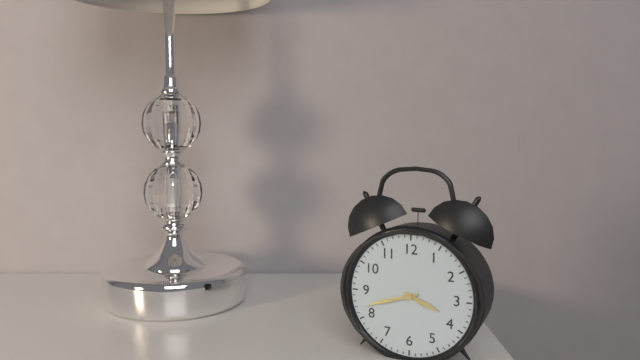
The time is 3,42
